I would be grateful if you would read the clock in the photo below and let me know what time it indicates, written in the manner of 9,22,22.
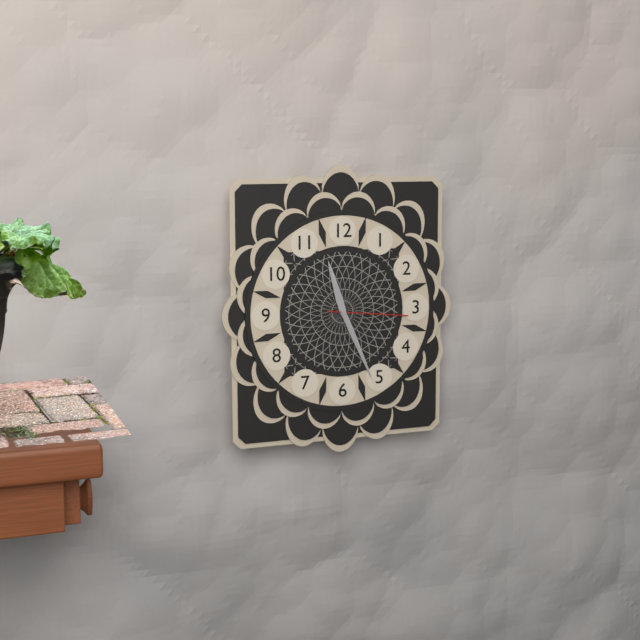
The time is 11,26,16
